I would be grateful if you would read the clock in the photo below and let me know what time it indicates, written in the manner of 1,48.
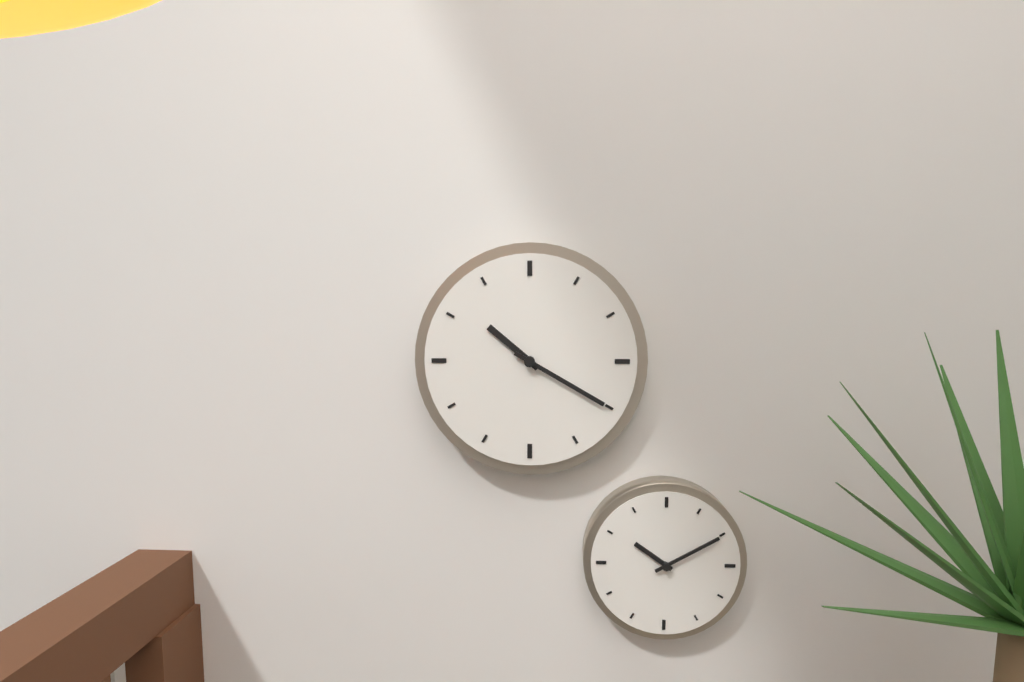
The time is 10,20
